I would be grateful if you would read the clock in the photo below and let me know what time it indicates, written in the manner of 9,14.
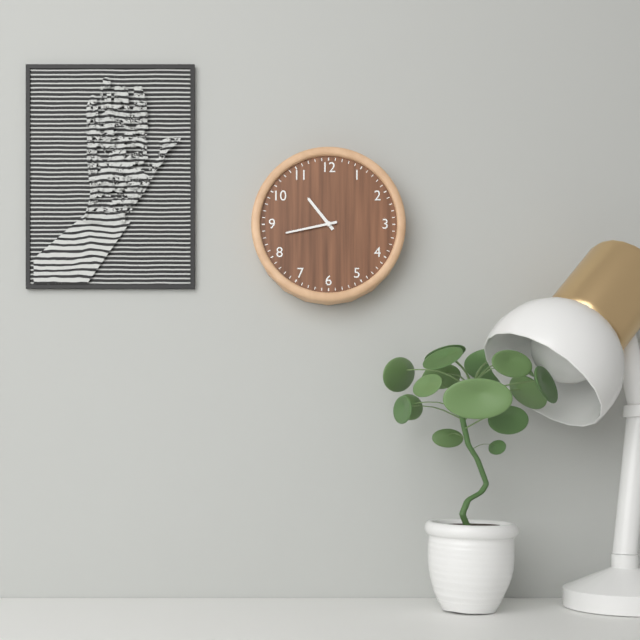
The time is 10,43
